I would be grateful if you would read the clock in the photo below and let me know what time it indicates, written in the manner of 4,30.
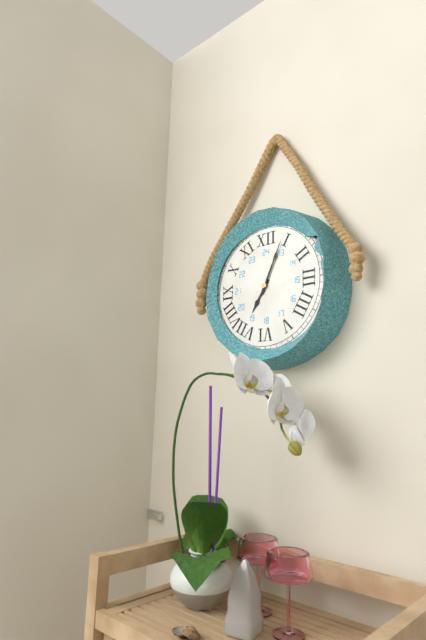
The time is 7,04
